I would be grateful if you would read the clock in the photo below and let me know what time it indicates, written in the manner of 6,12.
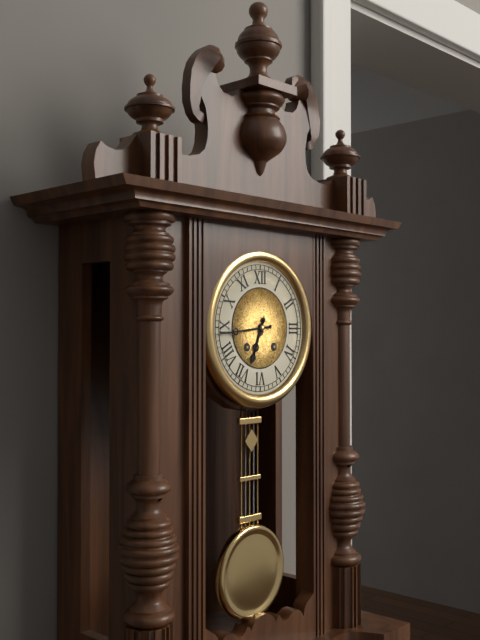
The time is 6,44
